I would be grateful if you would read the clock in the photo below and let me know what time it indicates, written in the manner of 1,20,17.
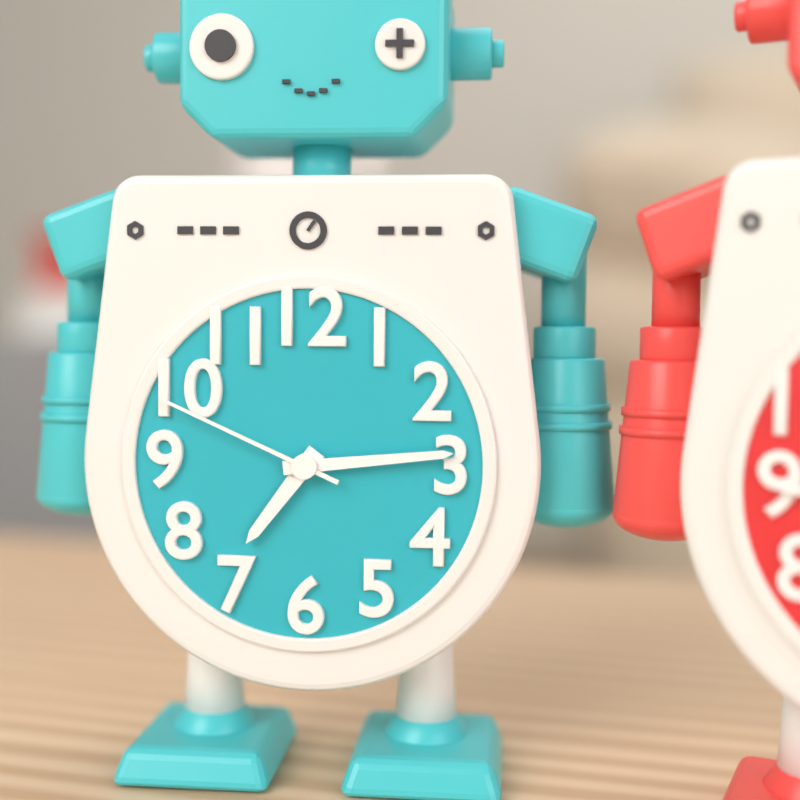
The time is 7,14,49
